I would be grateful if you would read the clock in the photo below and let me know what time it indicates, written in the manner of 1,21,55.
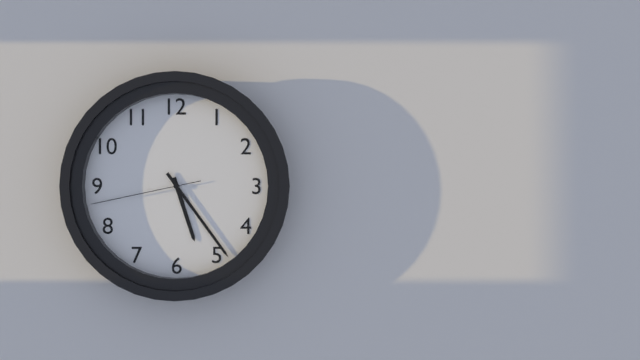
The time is 5,24,43
